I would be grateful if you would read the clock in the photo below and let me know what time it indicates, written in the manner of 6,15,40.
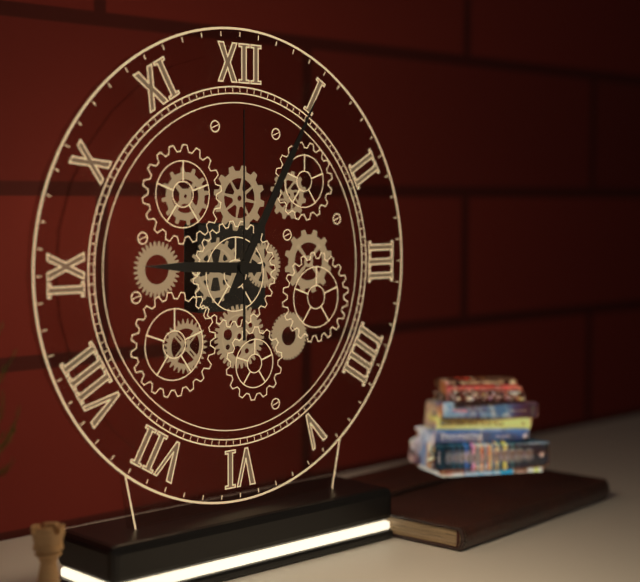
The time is 9,05,00
